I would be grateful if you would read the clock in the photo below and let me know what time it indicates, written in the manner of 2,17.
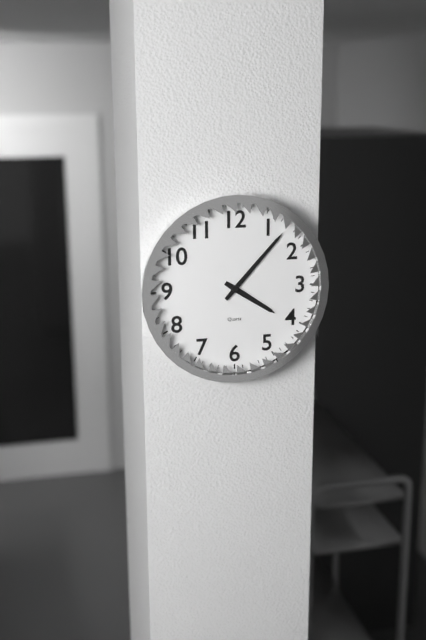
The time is 4,07
